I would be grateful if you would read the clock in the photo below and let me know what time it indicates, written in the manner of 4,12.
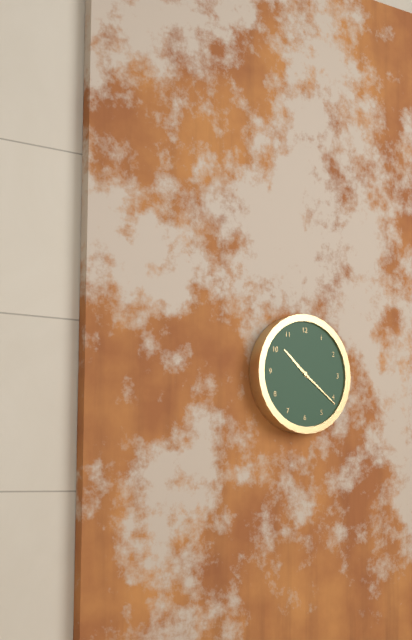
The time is 10,21
